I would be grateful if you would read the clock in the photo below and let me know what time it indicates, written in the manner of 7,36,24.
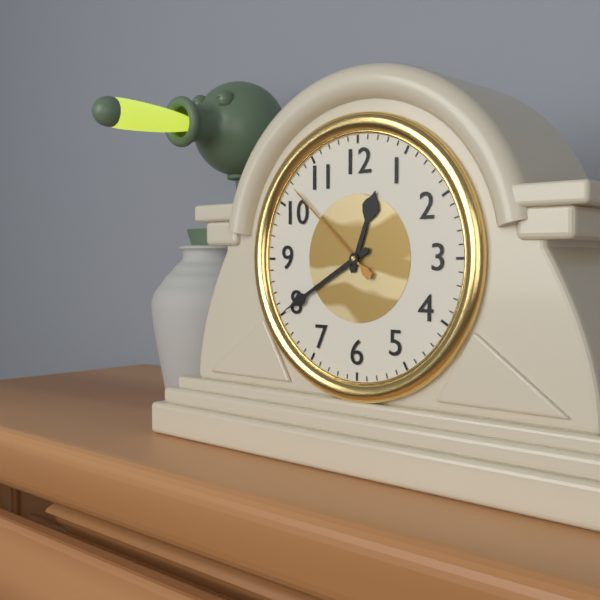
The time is 12,40,52
